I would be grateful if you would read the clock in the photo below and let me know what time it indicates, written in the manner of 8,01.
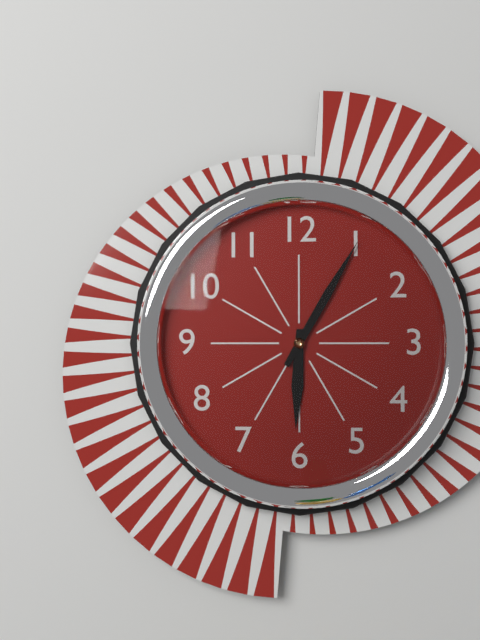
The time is 6,05
